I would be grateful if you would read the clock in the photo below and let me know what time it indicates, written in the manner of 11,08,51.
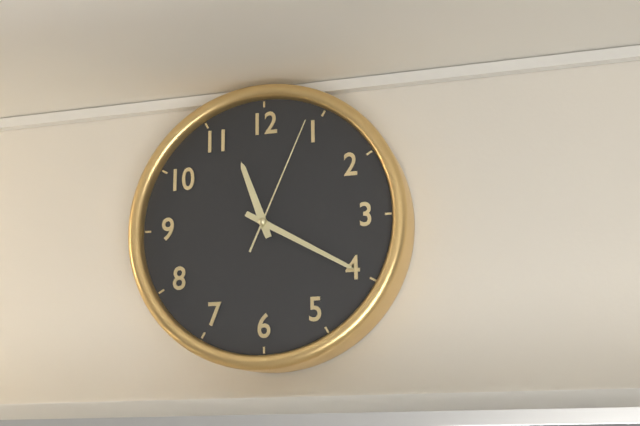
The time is 11,20,04
